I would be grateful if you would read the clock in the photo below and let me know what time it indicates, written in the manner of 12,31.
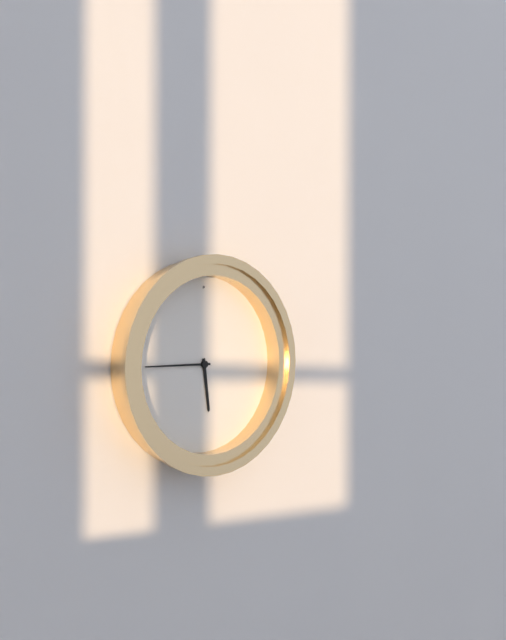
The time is 5,45
